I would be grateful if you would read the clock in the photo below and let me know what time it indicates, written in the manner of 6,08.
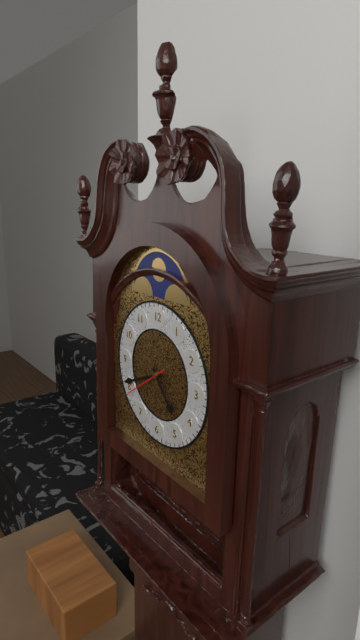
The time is 4,41
